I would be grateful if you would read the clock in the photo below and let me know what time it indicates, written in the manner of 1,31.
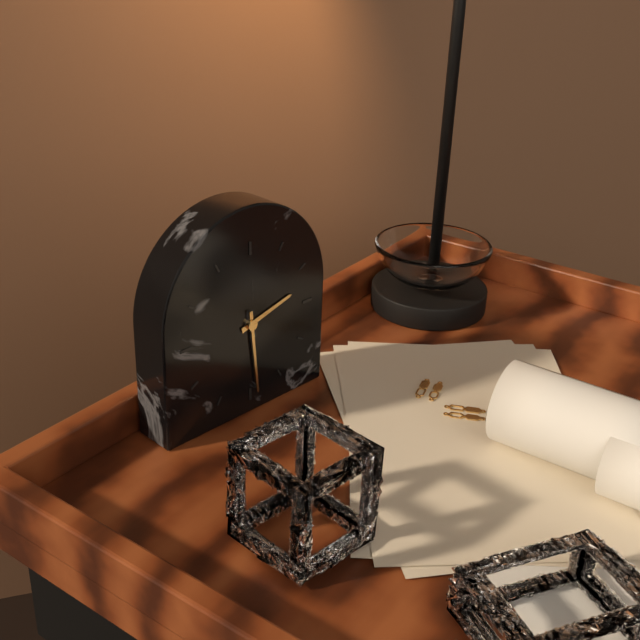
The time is 2,29
